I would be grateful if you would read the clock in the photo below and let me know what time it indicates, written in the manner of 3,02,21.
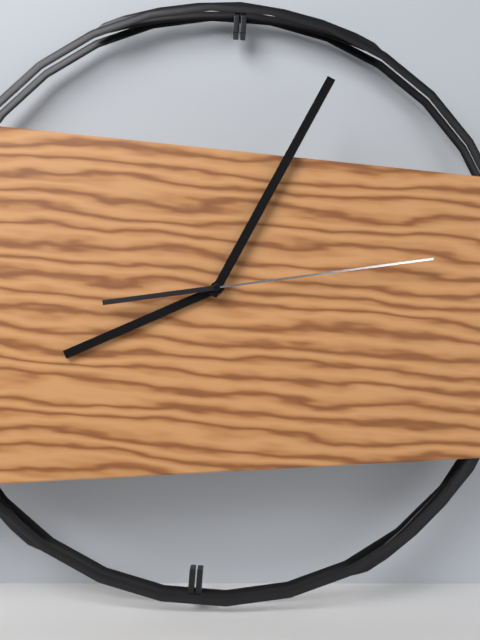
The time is 8,04,13
